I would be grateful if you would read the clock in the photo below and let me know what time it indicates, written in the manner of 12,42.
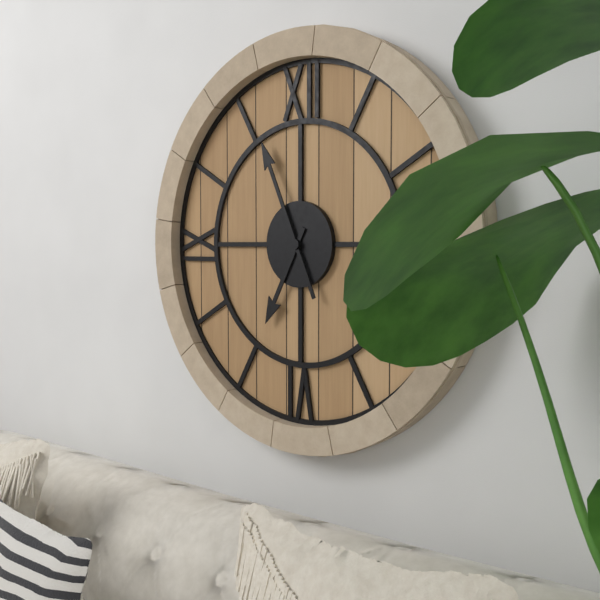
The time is 6,56
